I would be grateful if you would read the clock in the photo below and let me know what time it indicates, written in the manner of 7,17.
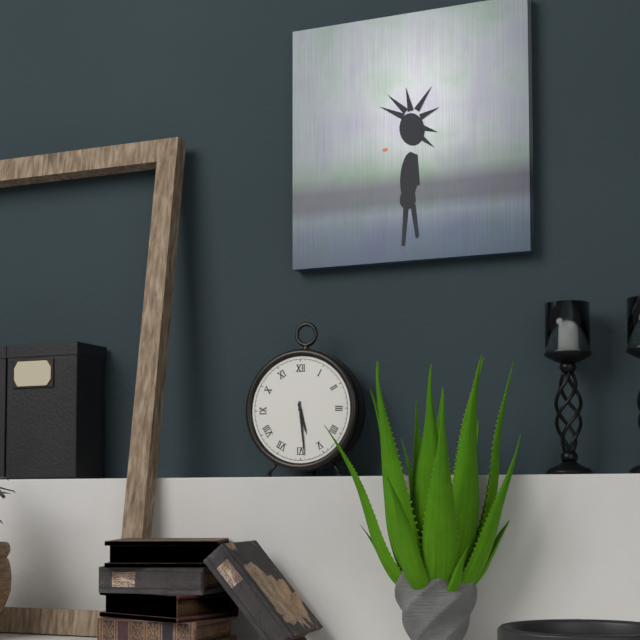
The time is 5,29
